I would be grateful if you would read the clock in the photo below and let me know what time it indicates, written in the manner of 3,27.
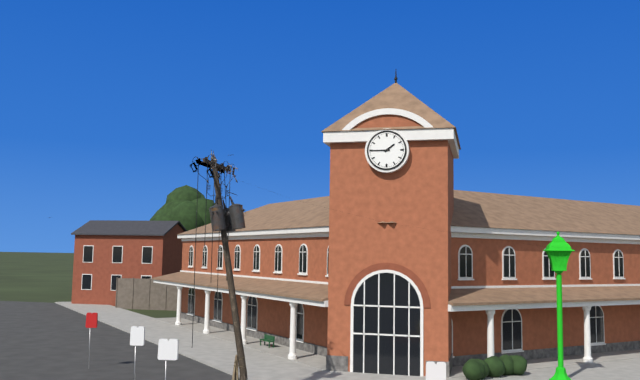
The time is 1,45
